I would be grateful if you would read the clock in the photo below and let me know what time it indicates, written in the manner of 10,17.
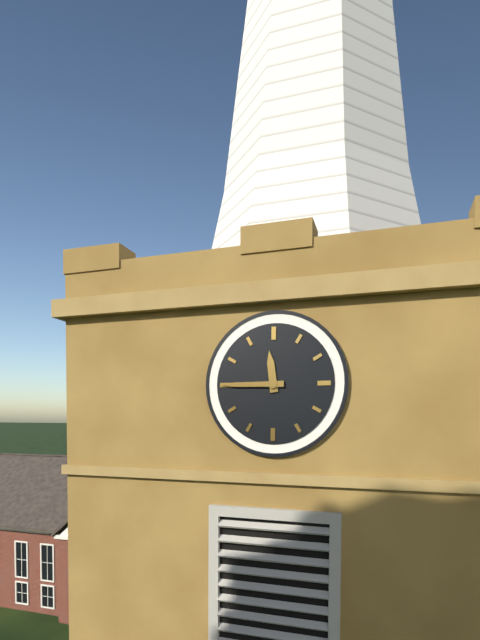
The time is 11,45
